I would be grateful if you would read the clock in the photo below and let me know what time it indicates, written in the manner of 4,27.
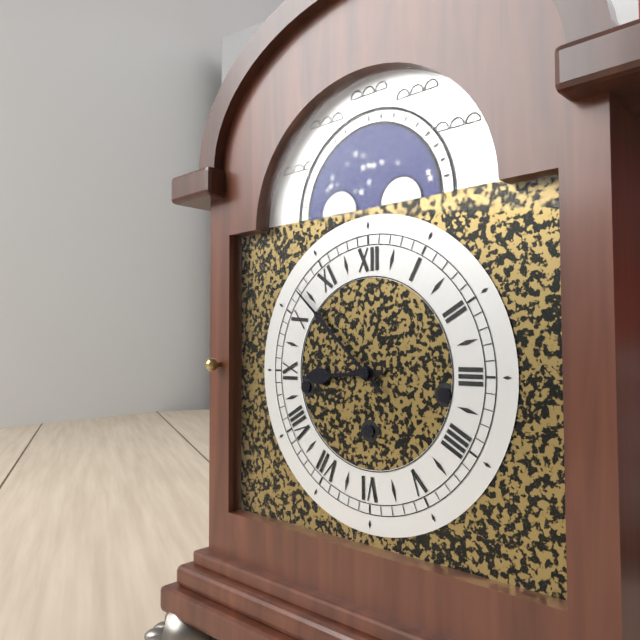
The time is 8,52
